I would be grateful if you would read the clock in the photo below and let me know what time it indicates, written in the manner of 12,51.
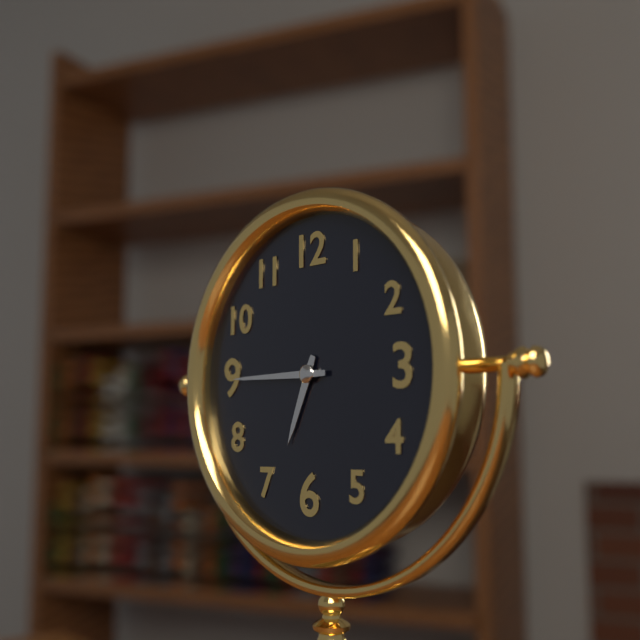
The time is 6,45
